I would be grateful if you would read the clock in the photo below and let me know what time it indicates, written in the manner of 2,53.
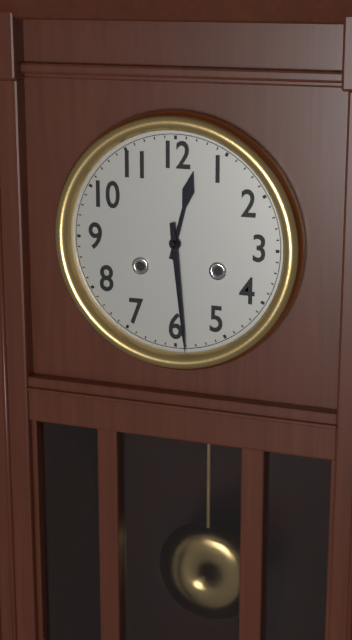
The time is 12,29
